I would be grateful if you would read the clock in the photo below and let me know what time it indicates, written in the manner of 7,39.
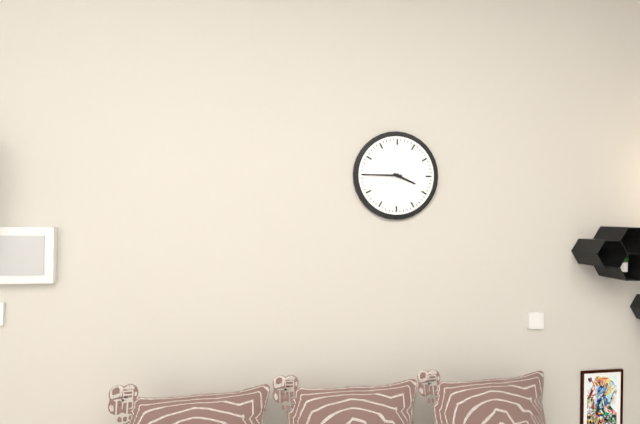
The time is 3,45
